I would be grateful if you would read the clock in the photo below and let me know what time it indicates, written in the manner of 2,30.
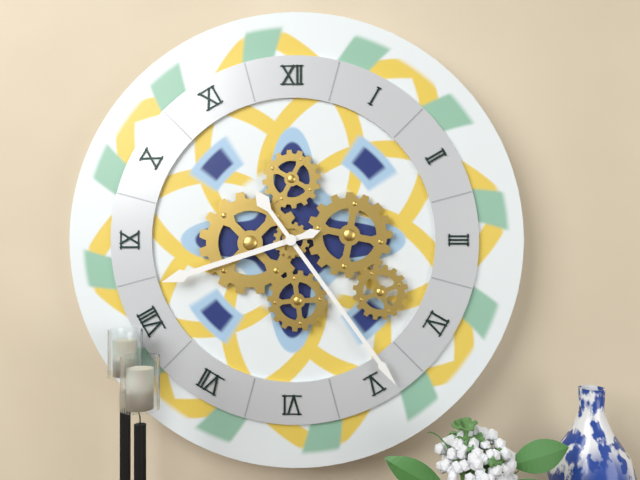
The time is 8,24
